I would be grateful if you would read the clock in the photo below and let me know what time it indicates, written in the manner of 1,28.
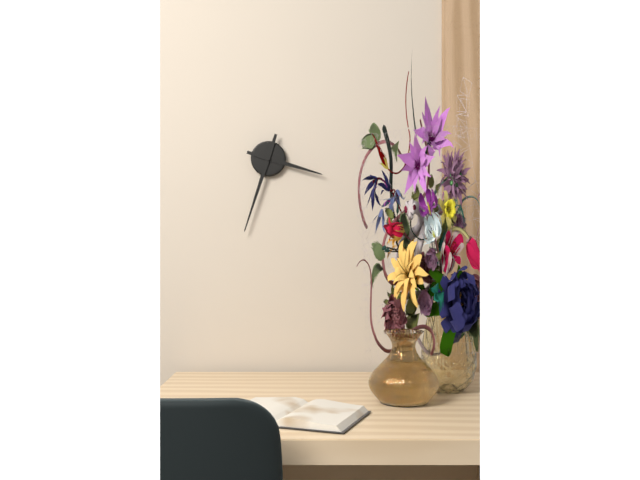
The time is 3,33
